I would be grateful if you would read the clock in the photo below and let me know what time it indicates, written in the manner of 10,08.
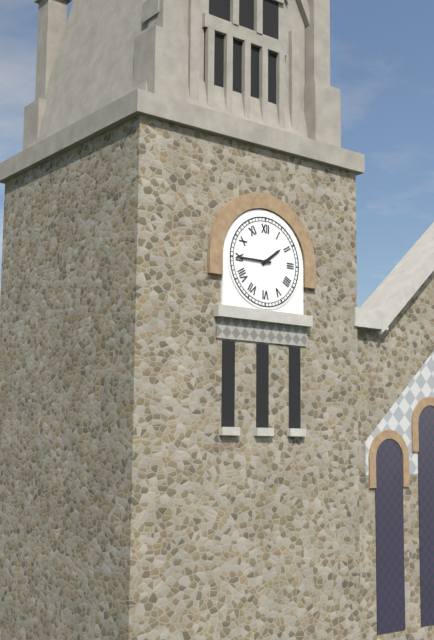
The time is 1,45
